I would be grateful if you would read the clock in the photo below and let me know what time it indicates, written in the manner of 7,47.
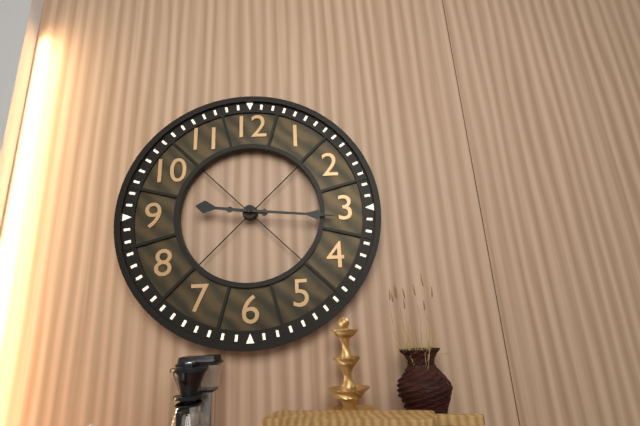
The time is 9,16
